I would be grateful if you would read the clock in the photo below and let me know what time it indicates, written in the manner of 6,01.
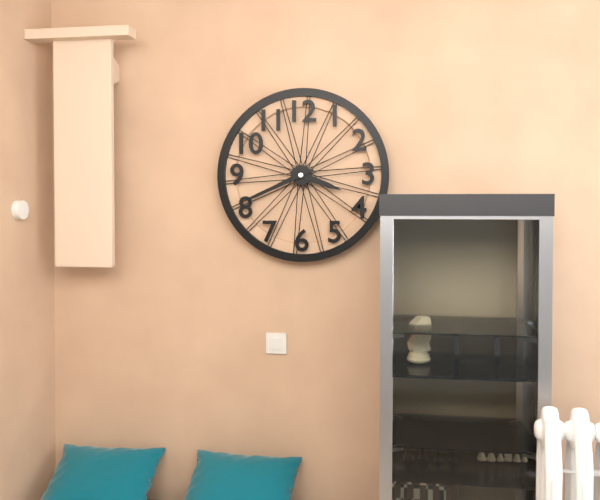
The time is 3,41
